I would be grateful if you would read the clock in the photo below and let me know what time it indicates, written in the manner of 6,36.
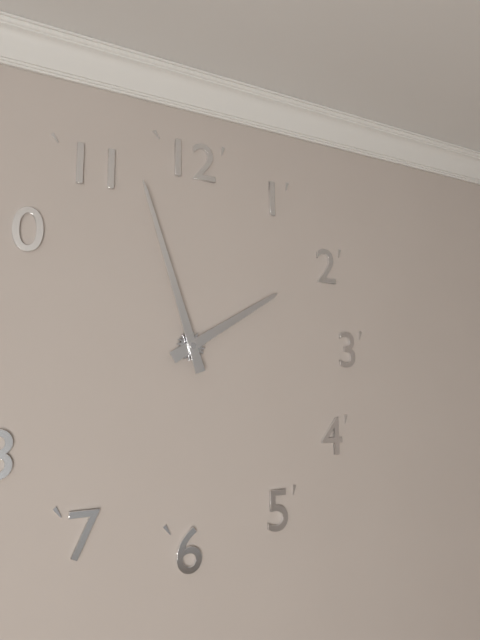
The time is 1,57
